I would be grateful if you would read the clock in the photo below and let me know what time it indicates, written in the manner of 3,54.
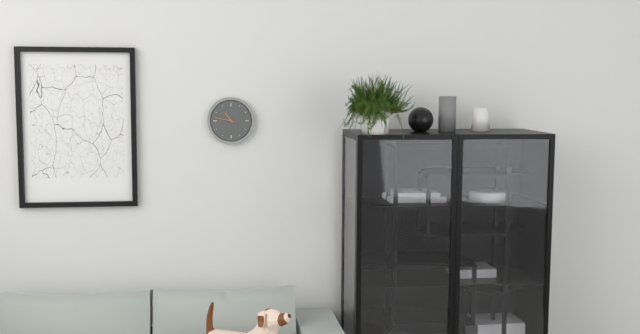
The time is 10,47
